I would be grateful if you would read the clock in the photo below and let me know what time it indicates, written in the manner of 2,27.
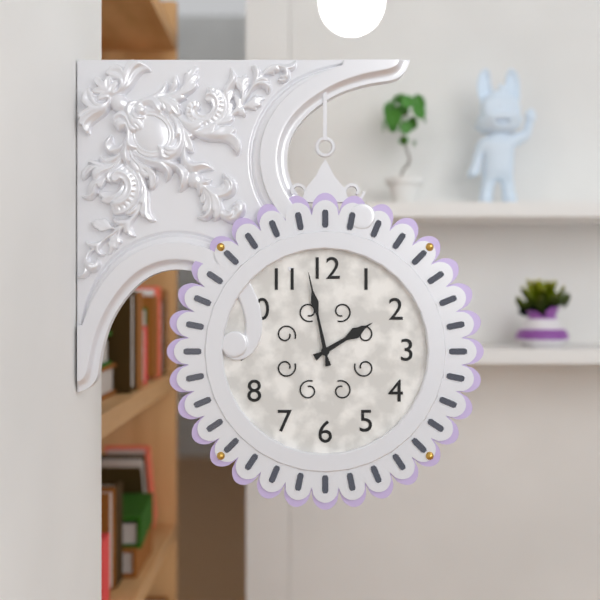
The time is 1,58
